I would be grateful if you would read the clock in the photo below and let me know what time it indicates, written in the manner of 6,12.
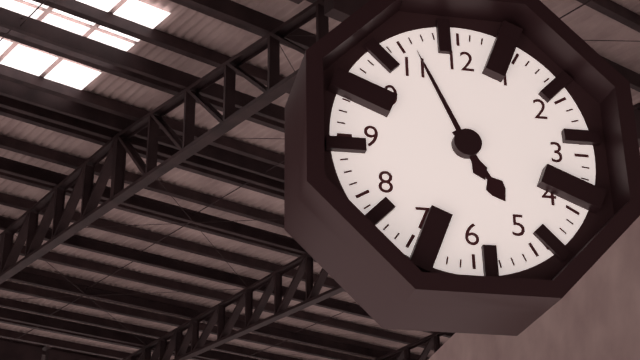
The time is 4,56
